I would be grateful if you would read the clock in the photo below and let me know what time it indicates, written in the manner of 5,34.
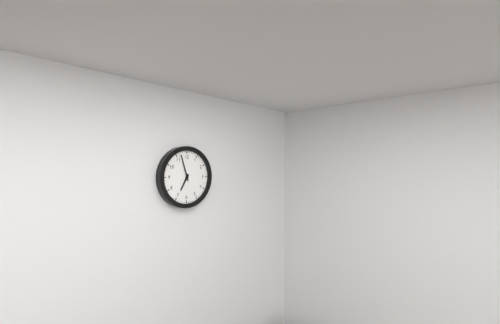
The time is 6,57
